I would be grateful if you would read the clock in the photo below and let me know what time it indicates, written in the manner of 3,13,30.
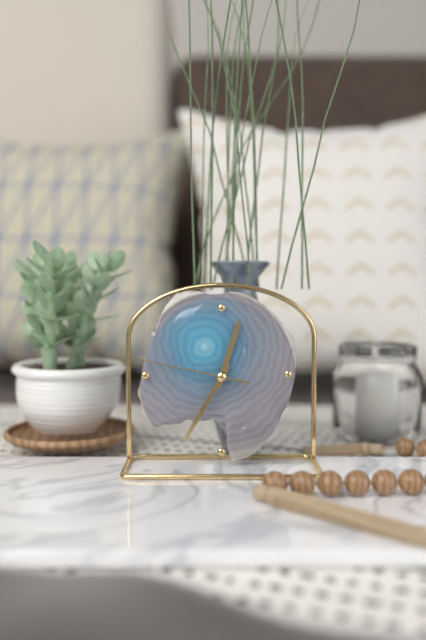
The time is 12,35,47
